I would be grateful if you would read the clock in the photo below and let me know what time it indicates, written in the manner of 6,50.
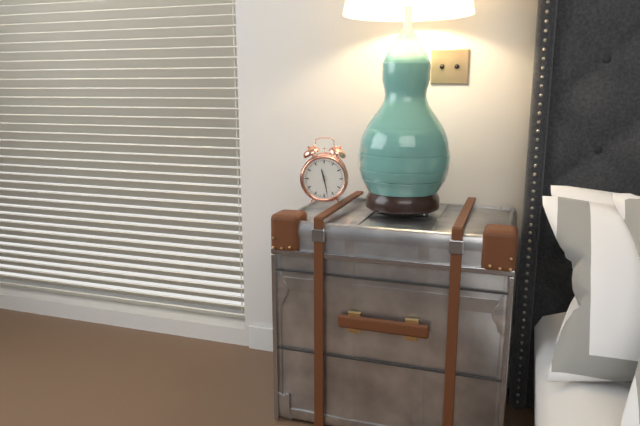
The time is 11,28
